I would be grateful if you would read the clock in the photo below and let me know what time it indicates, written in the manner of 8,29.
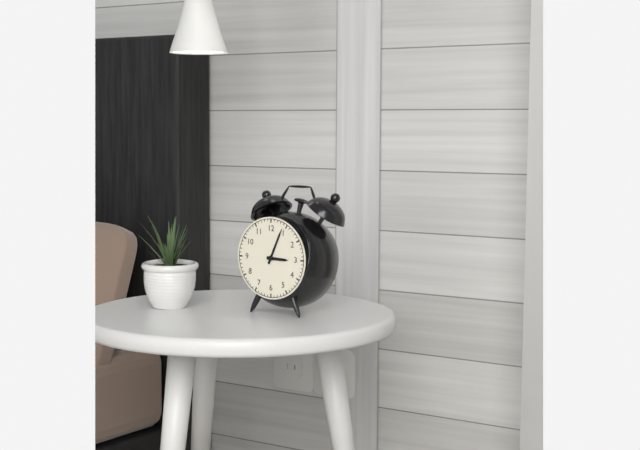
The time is 3,04
